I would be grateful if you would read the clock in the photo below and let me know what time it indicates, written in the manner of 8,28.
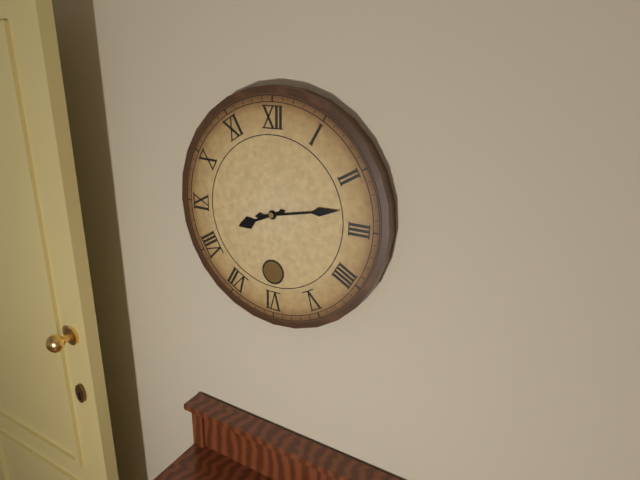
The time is 8,13
